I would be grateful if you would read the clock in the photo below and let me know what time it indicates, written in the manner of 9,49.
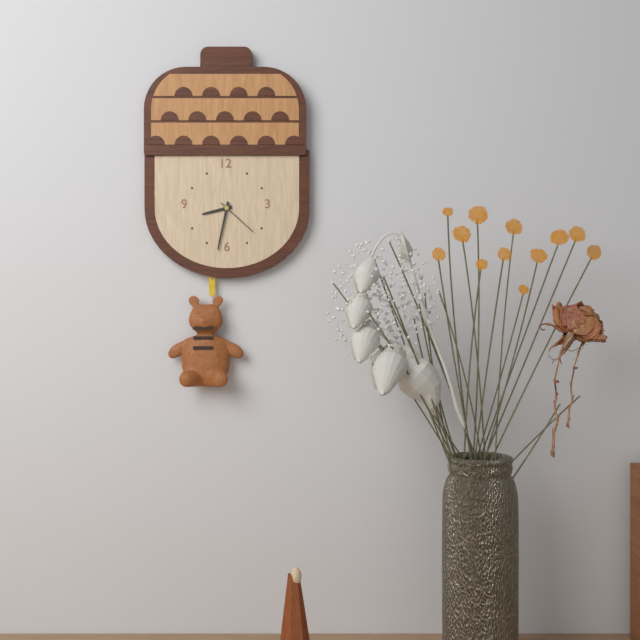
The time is 8,32
